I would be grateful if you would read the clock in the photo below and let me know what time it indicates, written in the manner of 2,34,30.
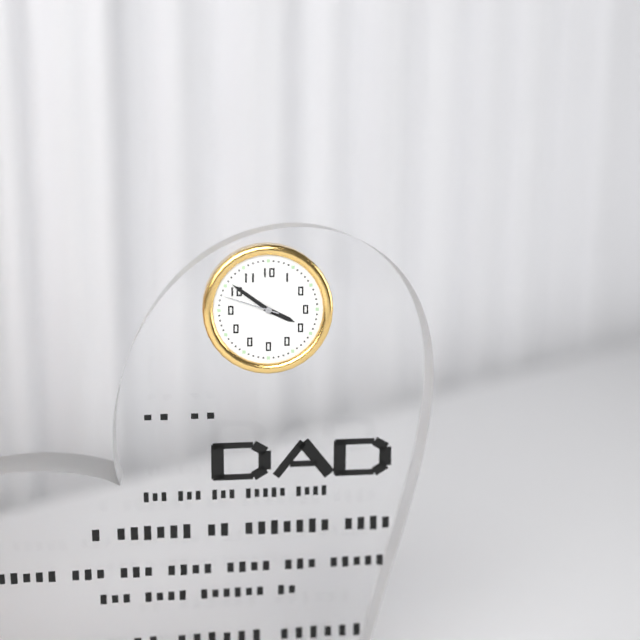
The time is 3,51,48
